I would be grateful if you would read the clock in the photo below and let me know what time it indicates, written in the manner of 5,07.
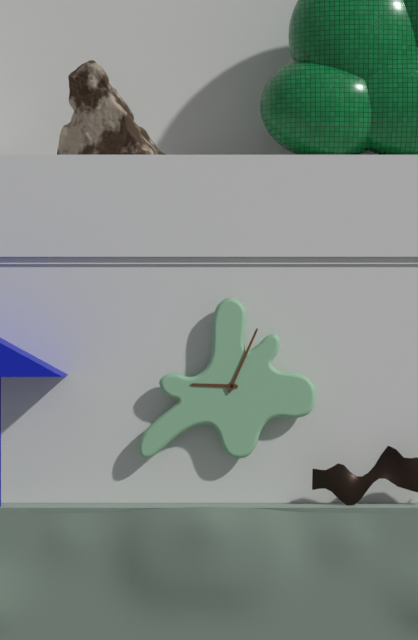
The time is 9,04
